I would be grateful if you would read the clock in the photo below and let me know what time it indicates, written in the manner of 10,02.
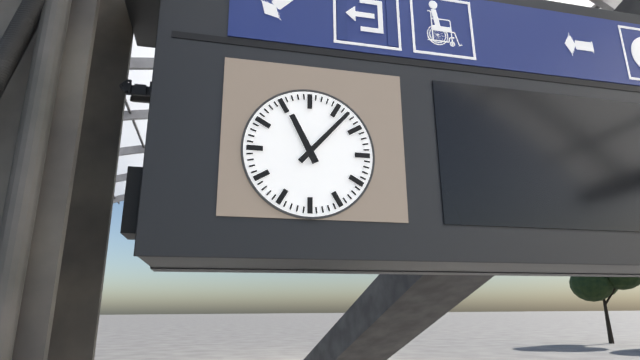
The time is 11,07
